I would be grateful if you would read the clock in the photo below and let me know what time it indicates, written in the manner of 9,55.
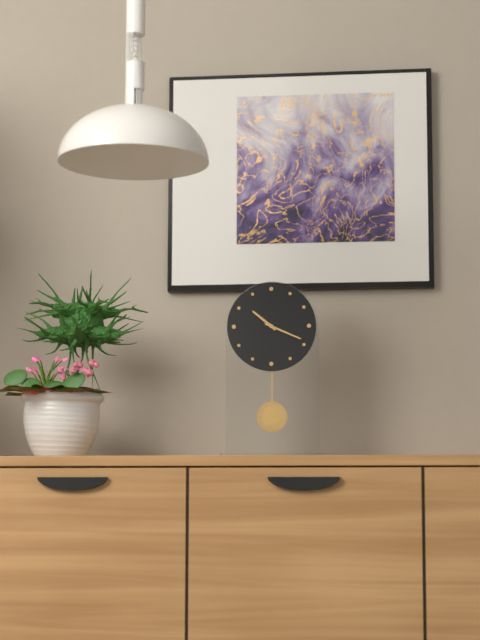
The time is 10,19
